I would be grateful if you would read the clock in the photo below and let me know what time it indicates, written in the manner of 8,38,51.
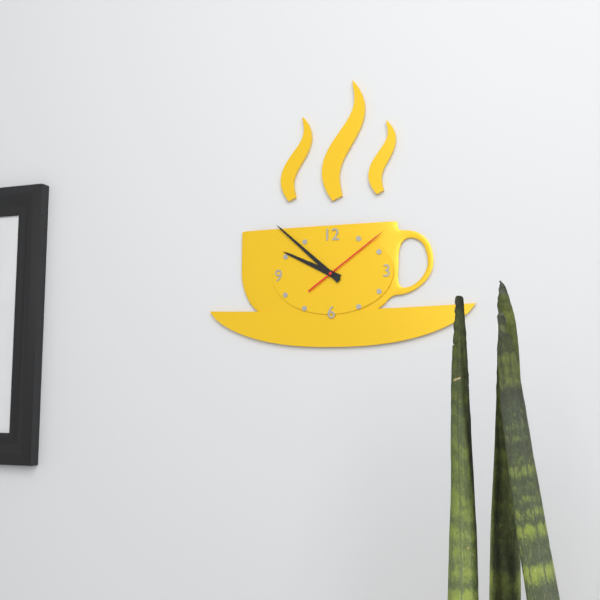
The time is 9,52,09
